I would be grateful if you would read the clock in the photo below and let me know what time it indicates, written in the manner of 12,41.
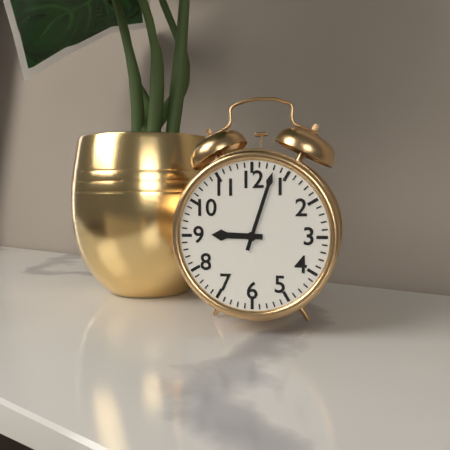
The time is 9,03
